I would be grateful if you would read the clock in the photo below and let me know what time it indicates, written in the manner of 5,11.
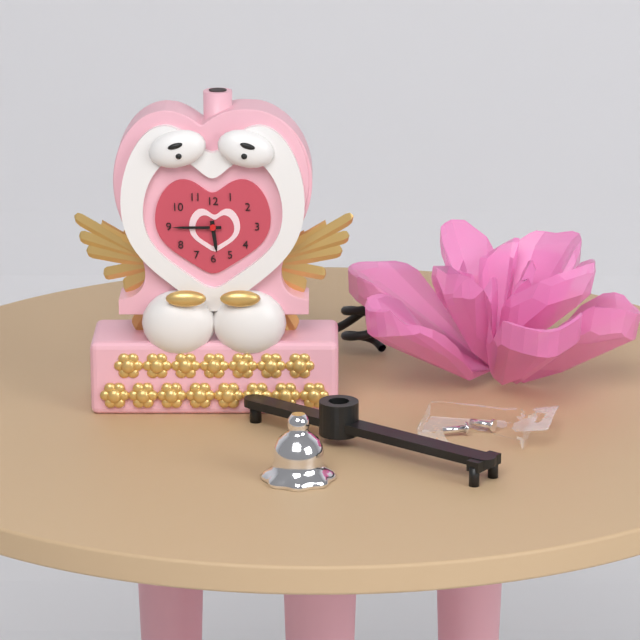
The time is 5,45
